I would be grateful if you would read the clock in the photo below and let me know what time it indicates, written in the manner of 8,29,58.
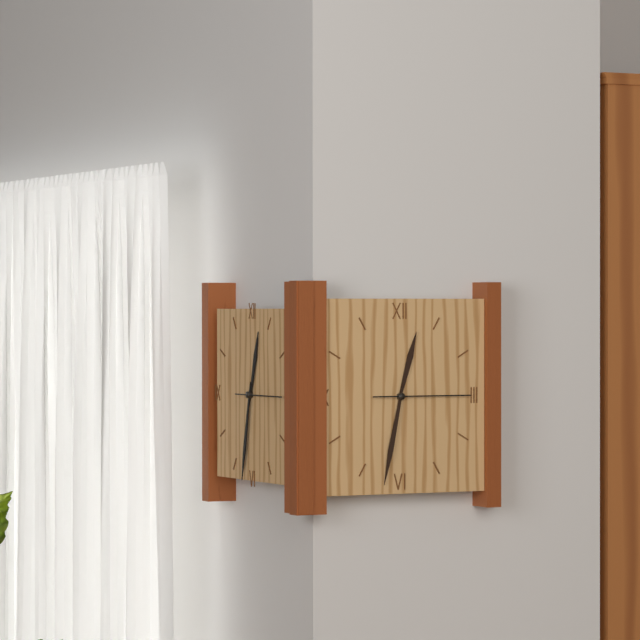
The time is 12,32,15
